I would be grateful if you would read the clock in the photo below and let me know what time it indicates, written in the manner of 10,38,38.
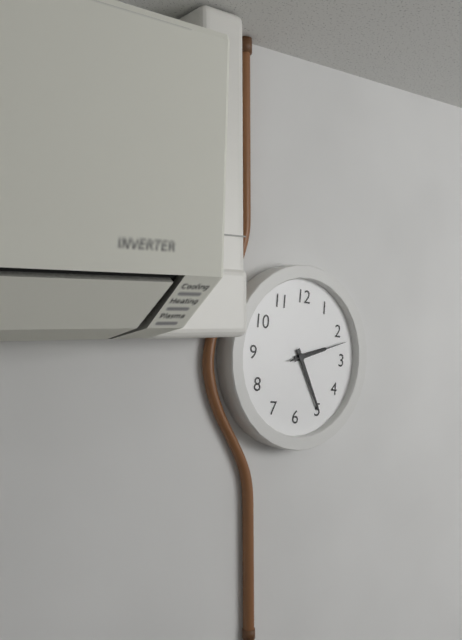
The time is 2,25,12
